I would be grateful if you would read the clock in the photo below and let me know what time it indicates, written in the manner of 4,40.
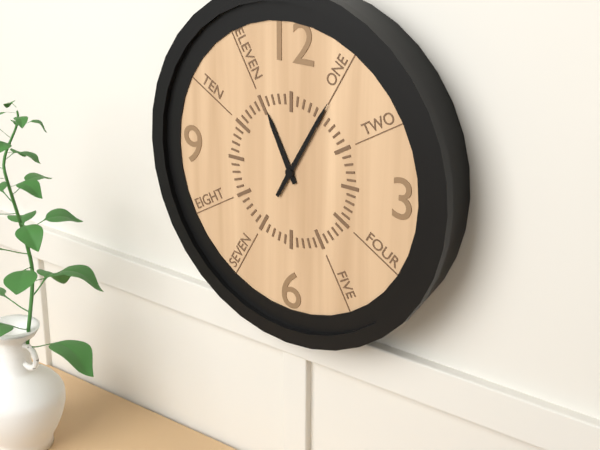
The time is 11,05
